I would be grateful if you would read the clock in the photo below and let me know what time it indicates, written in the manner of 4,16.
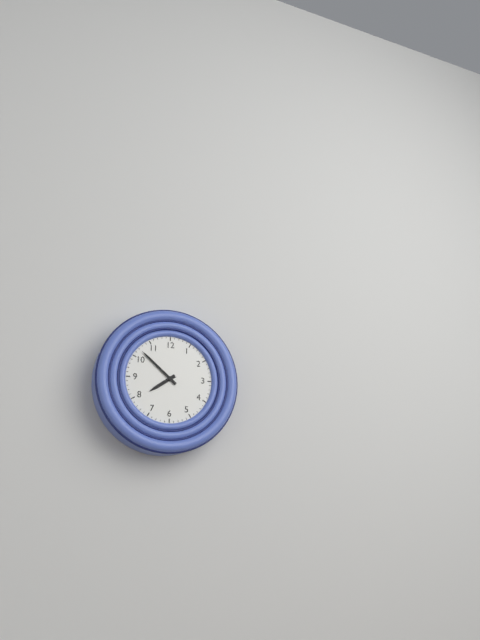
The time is 7,52
